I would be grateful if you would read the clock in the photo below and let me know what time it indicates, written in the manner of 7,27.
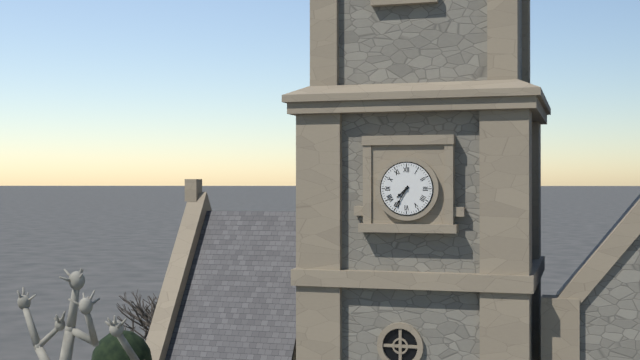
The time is 7,35
